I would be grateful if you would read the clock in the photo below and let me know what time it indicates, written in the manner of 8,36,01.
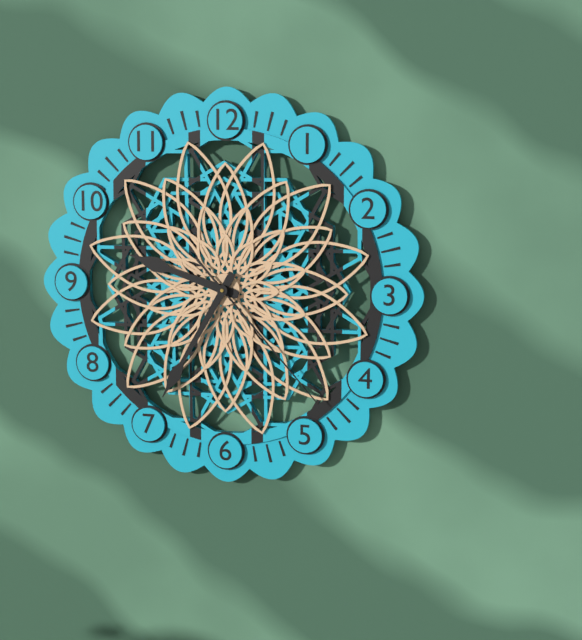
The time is 9,35,23
